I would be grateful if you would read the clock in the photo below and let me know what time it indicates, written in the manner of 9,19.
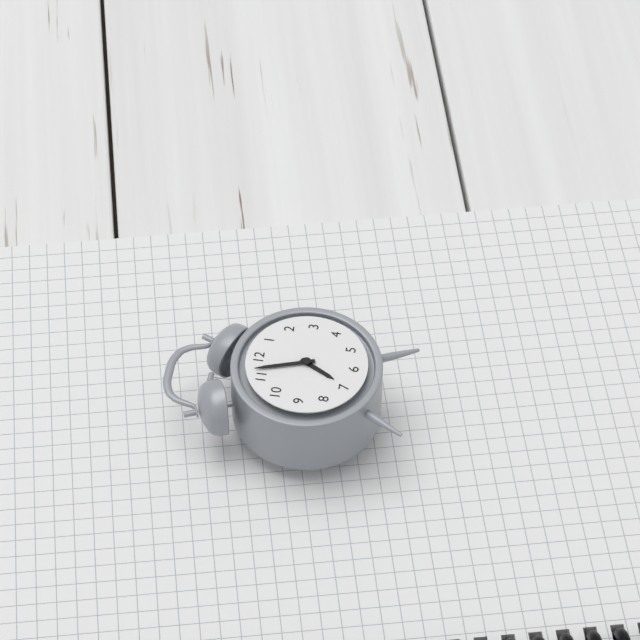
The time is 6,57
